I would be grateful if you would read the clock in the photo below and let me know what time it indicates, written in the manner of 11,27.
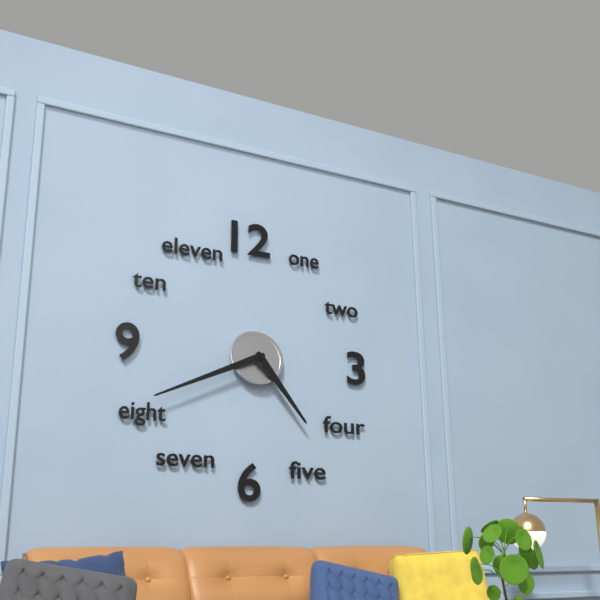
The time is 4,41
